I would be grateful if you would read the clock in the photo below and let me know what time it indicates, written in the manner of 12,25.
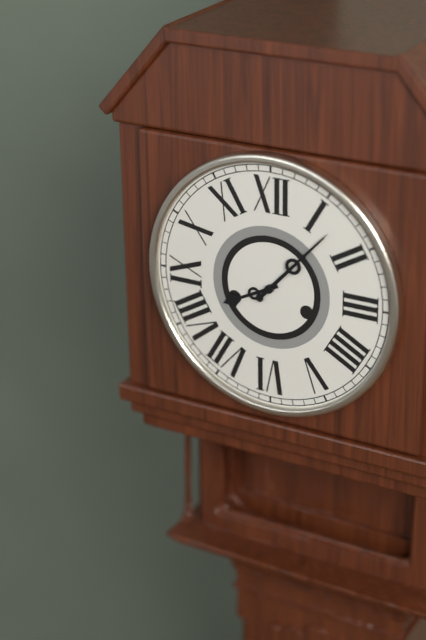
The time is 8,07
